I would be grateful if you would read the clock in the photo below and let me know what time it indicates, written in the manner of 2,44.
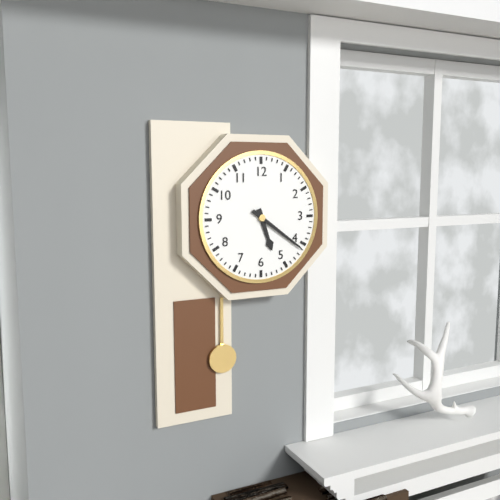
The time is 5,21
